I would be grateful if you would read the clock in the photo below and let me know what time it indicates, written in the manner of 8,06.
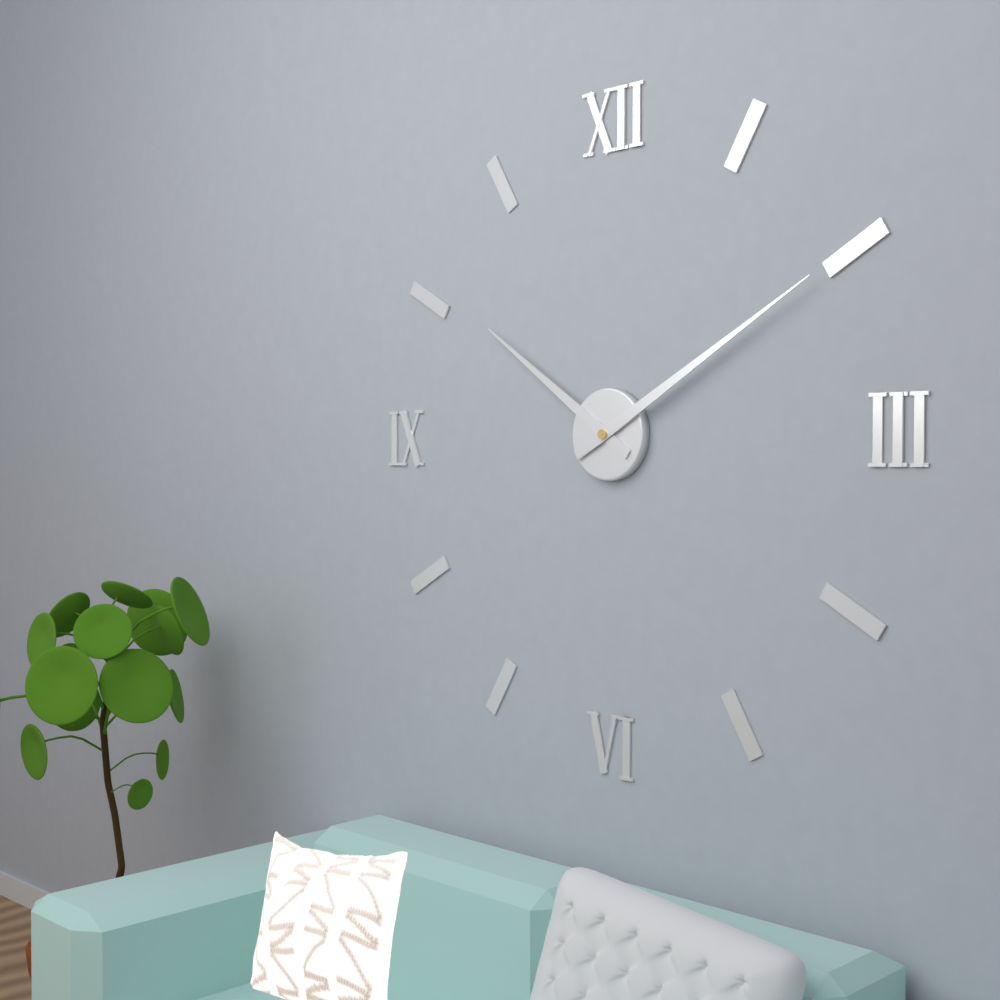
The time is 10,10
